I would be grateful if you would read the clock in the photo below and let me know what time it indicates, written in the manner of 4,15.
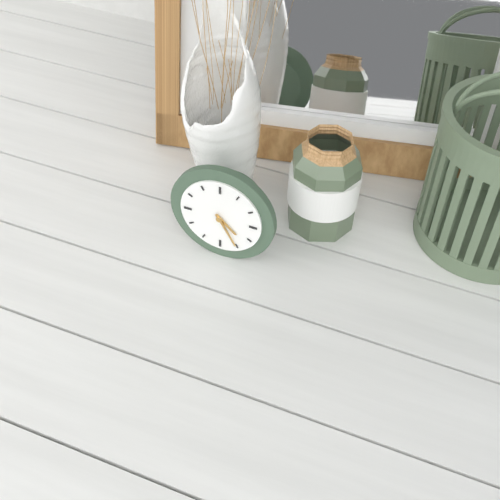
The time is 4,25
